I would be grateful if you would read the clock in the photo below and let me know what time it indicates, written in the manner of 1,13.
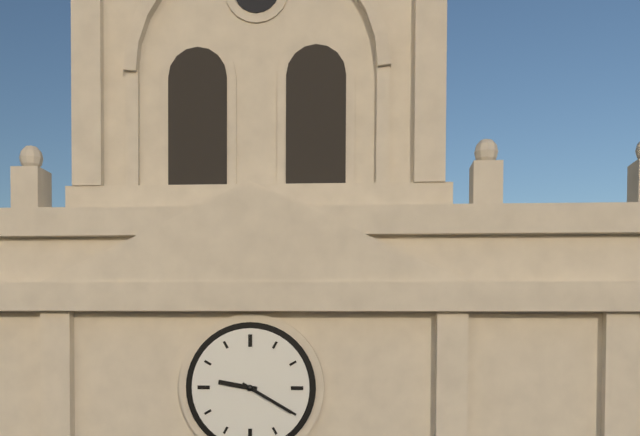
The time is 9,20
